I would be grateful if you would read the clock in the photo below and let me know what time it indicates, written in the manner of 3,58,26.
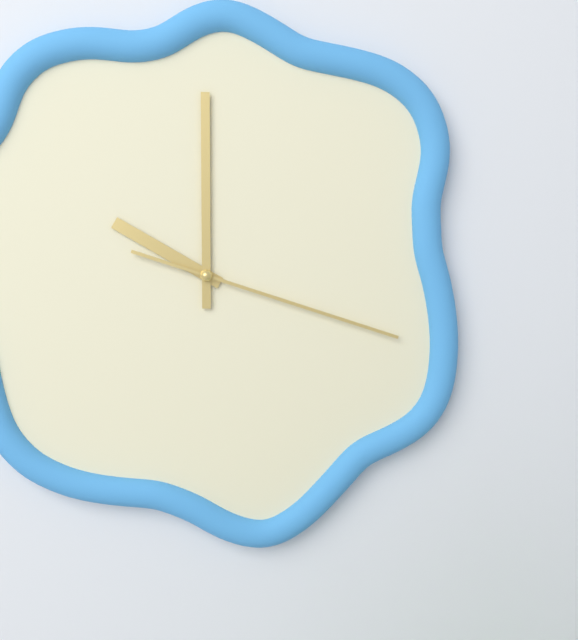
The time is 10,00,18
